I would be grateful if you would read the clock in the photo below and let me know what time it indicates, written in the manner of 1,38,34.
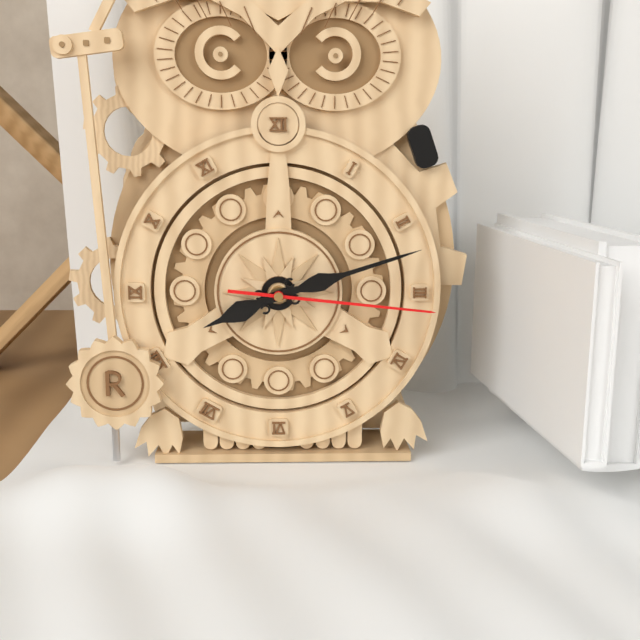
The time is 8,12,16
